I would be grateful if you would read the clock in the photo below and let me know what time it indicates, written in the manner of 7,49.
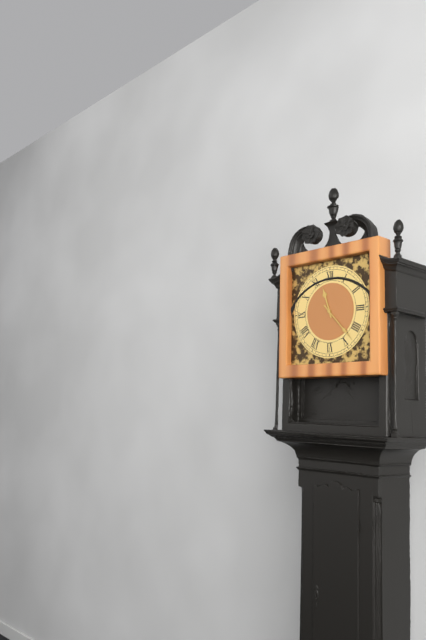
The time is 11,23
